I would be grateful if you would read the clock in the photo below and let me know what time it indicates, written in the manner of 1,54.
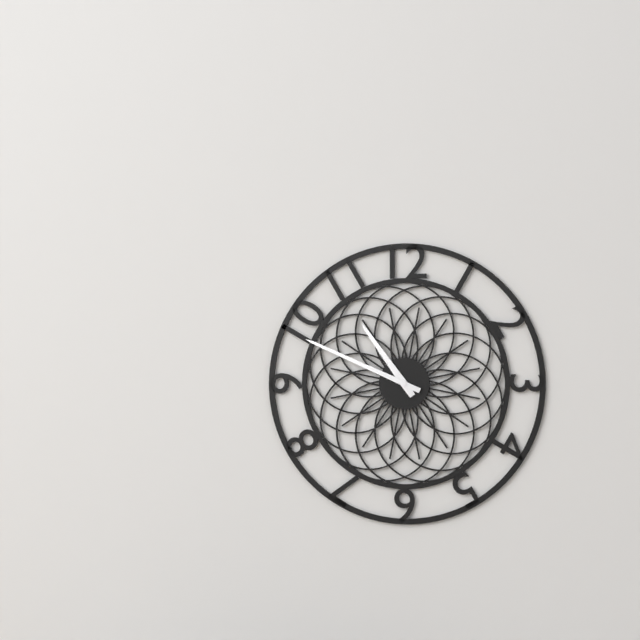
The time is 10,49
